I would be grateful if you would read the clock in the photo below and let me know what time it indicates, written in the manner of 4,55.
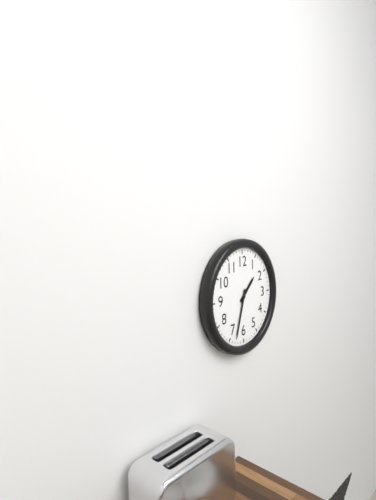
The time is 1,33
